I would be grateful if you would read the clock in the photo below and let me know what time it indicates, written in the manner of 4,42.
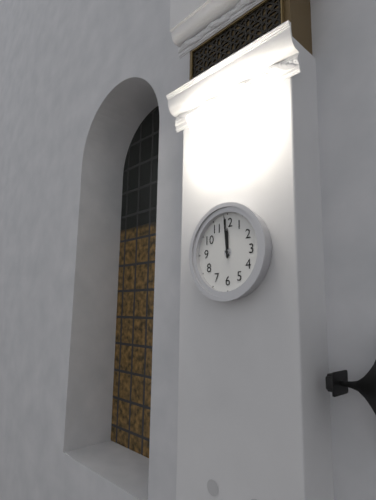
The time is 11,59
